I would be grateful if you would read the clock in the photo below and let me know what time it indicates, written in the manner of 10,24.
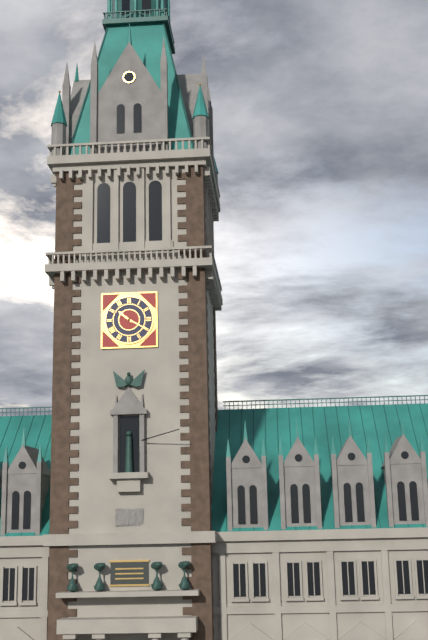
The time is 10,20
